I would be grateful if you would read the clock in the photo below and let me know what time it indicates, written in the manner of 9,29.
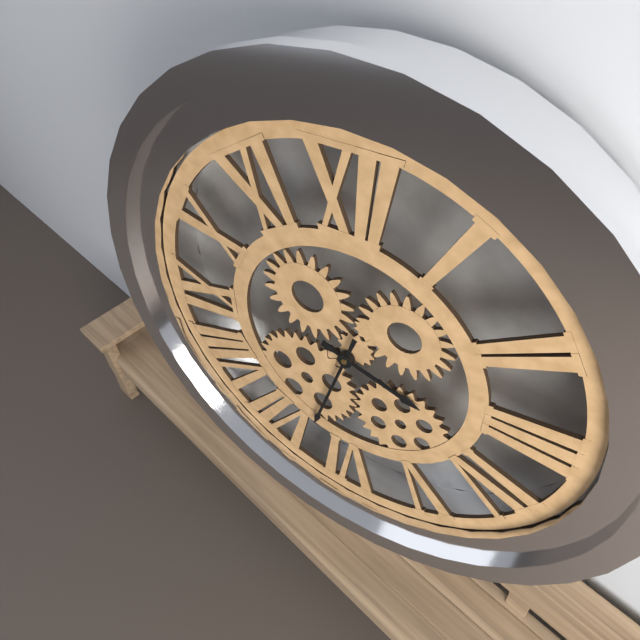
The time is 3,33
